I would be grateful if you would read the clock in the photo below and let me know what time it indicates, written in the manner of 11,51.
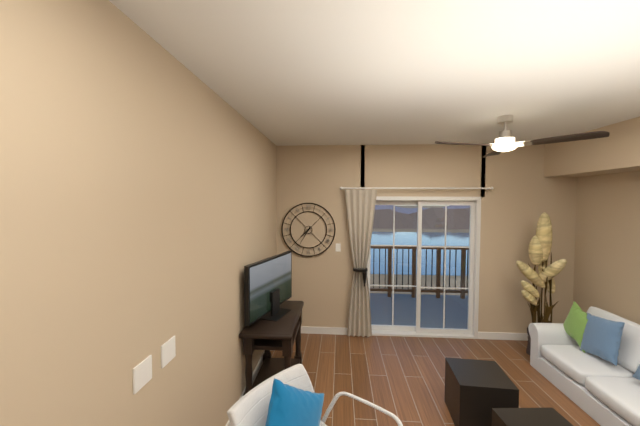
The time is 7,35
